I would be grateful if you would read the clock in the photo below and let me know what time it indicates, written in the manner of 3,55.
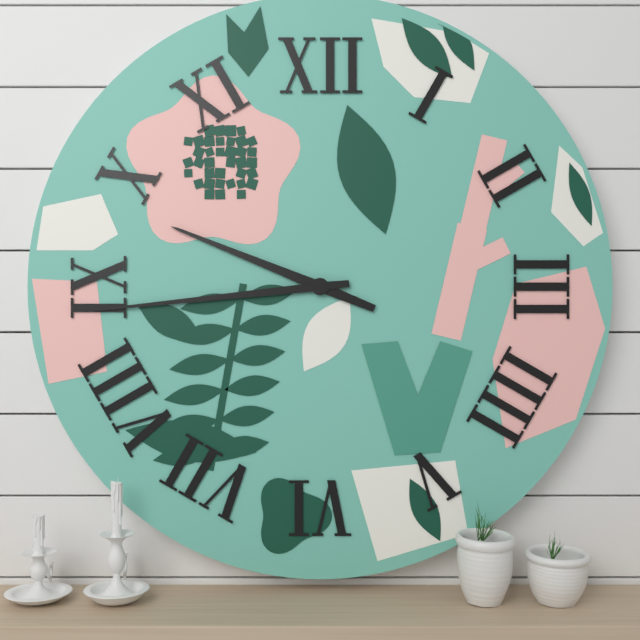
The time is 9,44
